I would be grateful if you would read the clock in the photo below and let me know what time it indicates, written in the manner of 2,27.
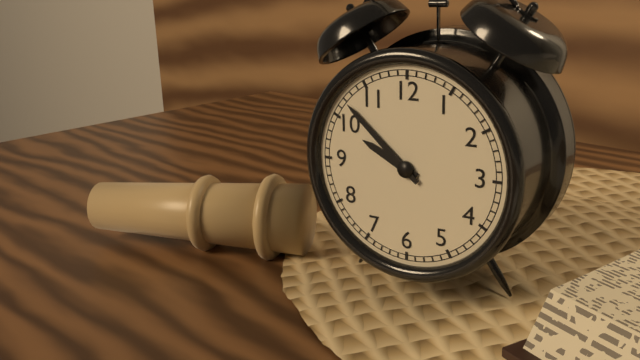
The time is 9,52
